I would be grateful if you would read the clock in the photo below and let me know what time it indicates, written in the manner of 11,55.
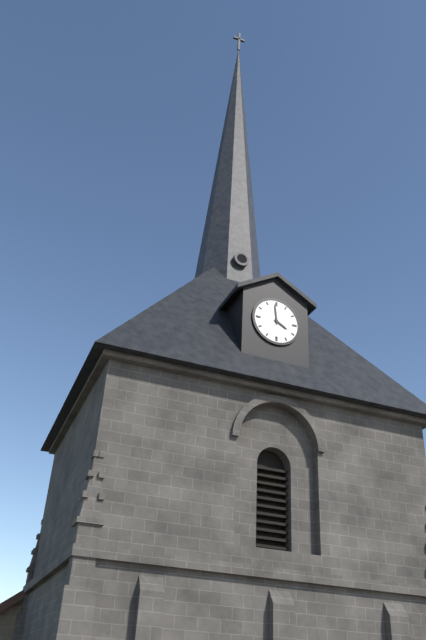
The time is 3,59
